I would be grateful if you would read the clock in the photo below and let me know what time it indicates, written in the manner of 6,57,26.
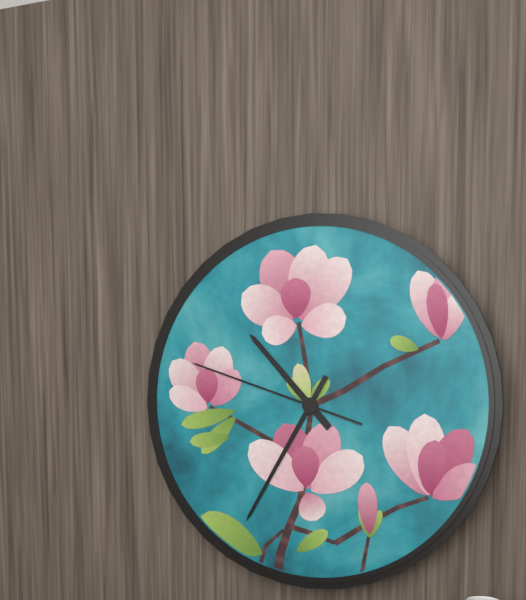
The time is 10,35,48
